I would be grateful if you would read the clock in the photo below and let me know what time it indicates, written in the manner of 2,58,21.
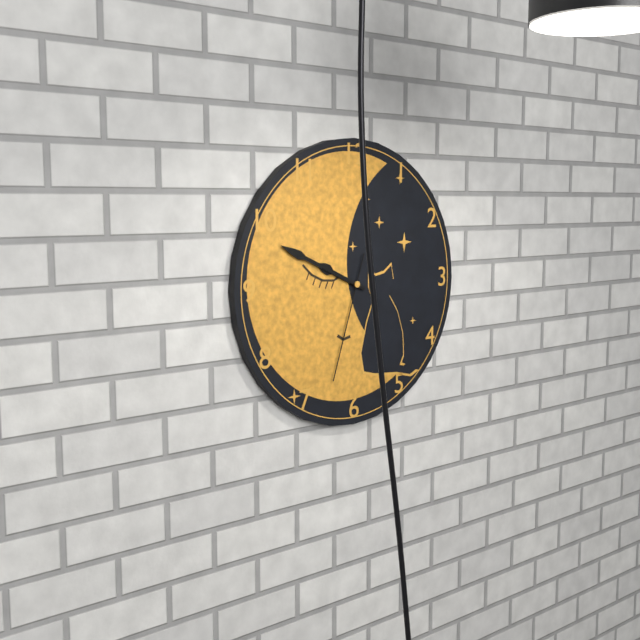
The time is 9,49,33
